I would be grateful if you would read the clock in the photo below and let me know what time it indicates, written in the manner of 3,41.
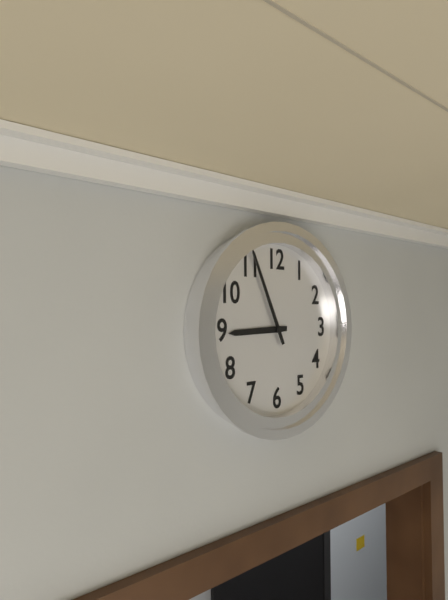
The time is 8,56
